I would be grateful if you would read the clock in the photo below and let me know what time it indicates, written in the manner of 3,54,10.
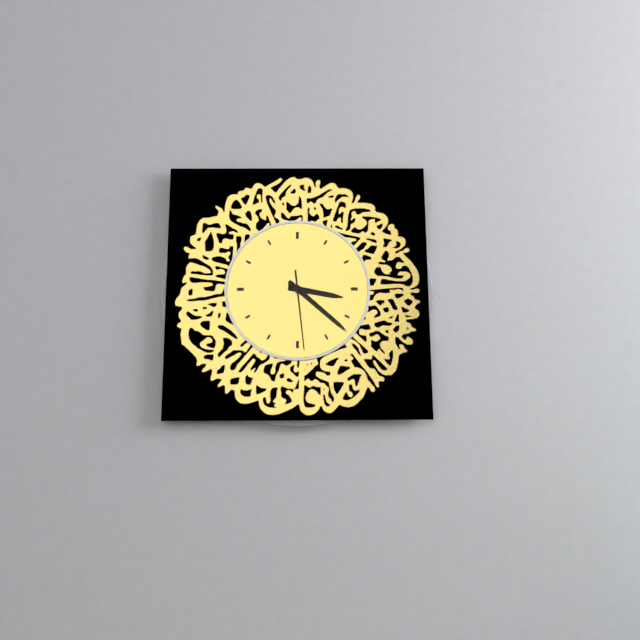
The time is 3,22,29
